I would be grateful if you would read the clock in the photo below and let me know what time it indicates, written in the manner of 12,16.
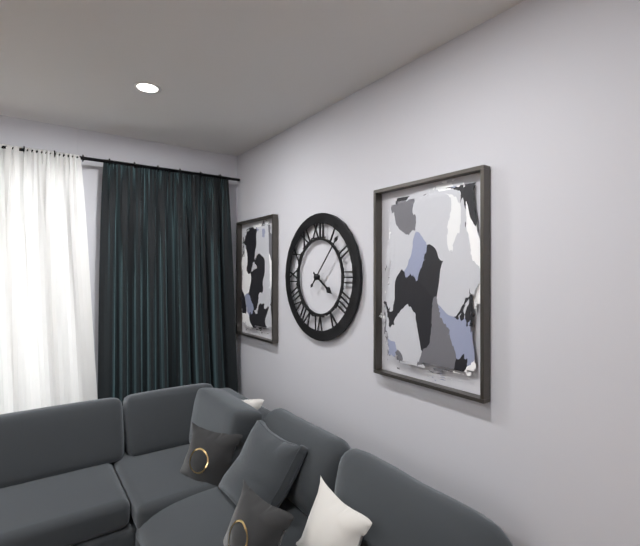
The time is 4,07
